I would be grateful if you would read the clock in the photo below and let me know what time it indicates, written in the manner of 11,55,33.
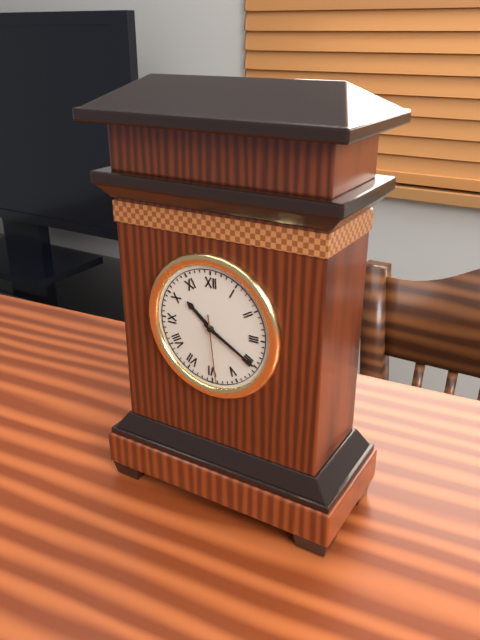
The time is 10,20,29
